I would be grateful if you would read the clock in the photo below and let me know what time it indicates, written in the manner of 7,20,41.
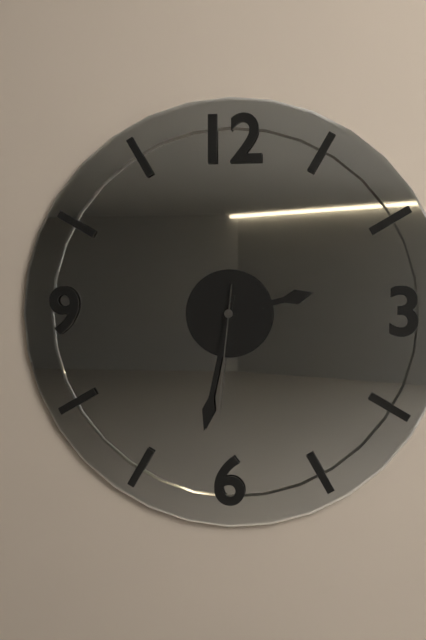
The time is 2,32,31
